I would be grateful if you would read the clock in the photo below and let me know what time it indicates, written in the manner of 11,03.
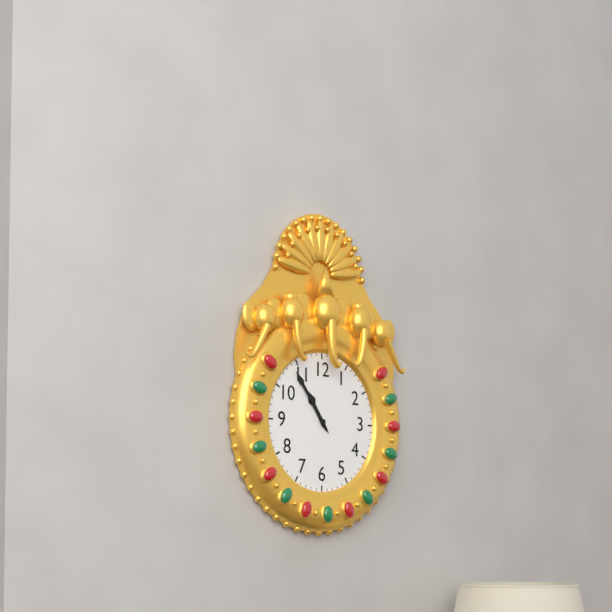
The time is 10,54
